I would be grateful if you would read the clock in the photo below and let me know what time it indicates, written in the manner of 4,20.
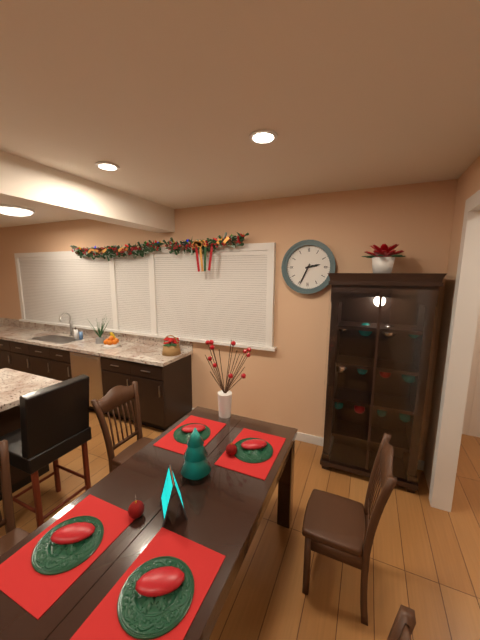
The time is 2,34
